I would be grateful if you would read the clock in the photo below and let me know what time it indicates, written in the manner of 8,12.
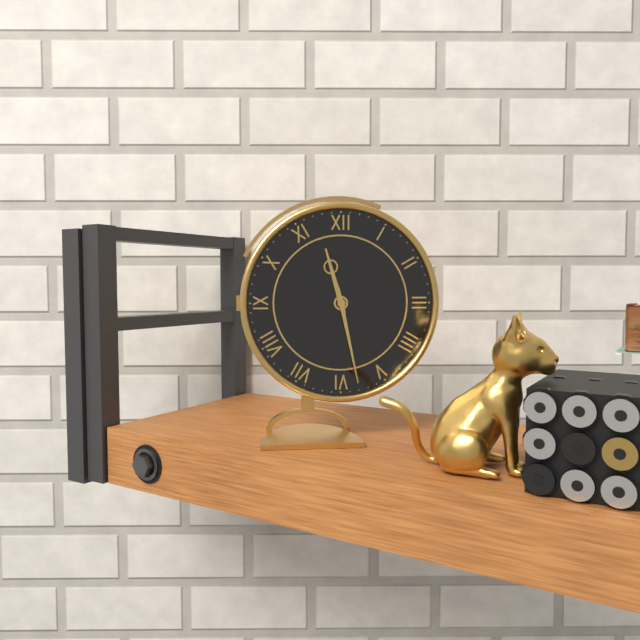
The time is 11,28
